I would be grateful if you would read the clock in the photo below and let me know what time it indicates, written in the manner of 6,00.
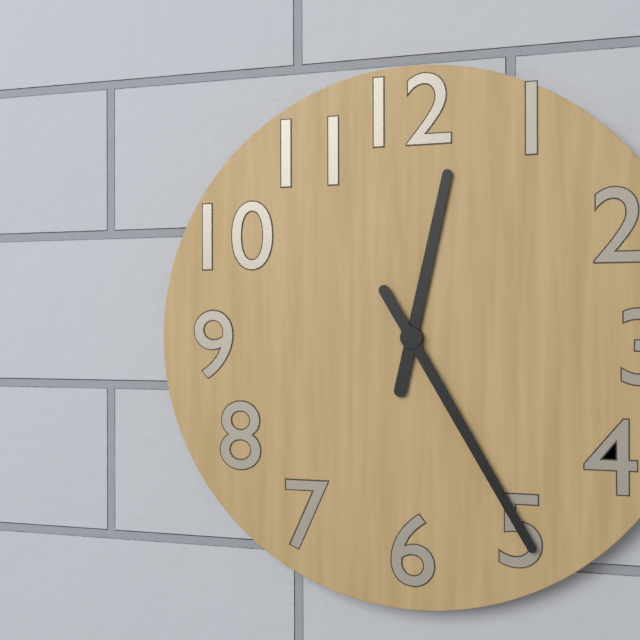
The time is 12,25
